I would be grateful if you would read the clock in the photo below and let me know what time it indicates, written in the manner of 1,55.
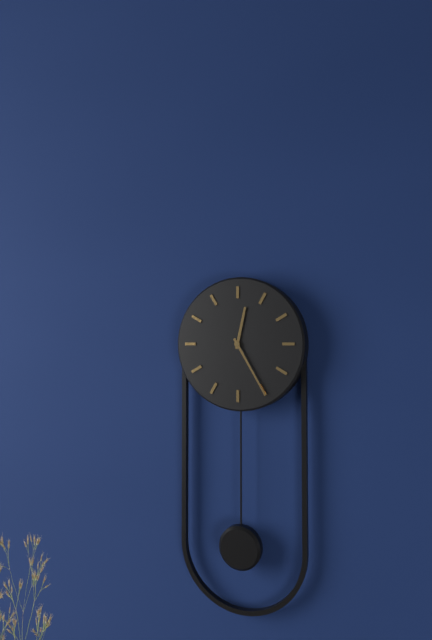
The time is 12,25
